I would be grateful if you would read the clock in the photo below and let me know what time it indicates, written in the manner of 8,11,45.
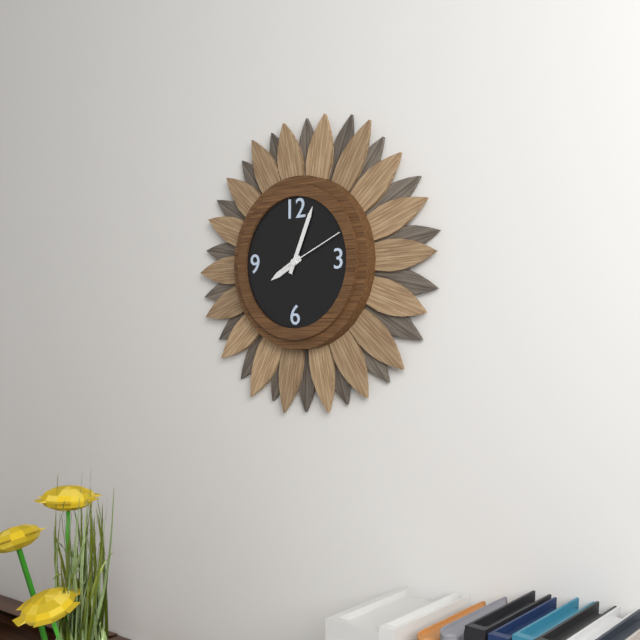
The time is 8,04,11
